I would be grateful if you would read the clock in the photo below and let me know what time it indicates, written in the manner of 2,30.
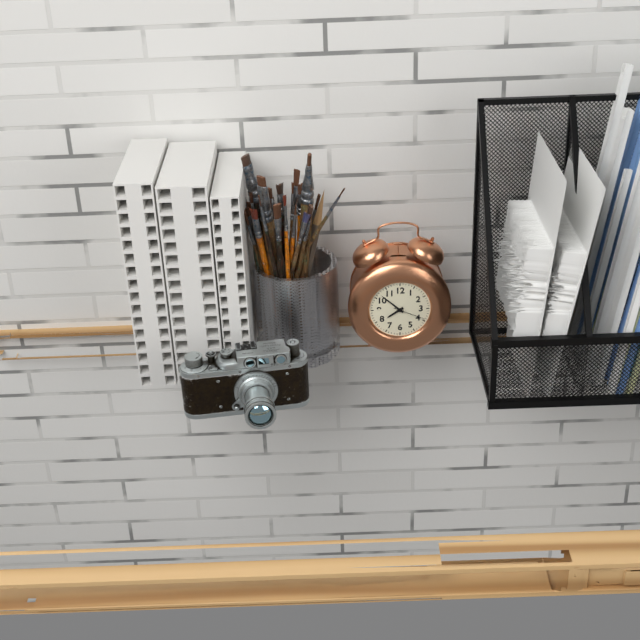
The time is 7,52
